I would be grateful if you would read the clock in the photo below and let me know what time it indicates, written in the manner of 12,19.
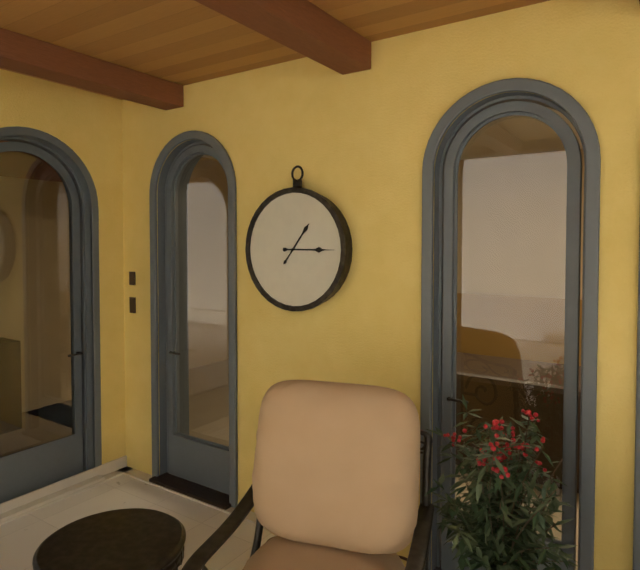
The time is 1,15
